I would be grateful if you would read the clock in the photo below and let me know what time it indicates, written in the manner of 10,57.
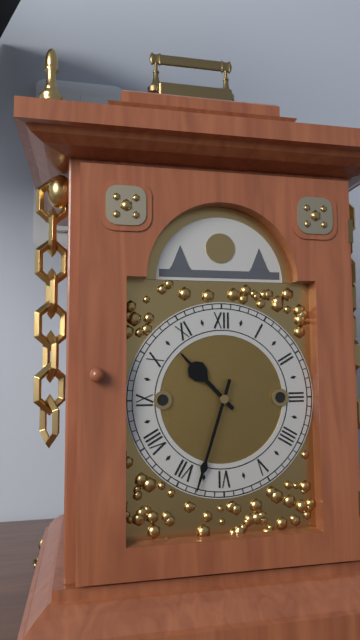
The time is 10,33
